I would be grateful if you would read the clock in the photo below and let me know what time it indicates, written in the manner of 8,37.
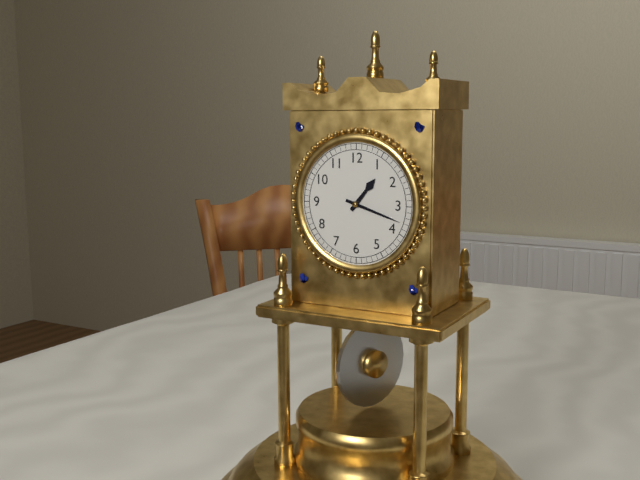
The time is 1,18
